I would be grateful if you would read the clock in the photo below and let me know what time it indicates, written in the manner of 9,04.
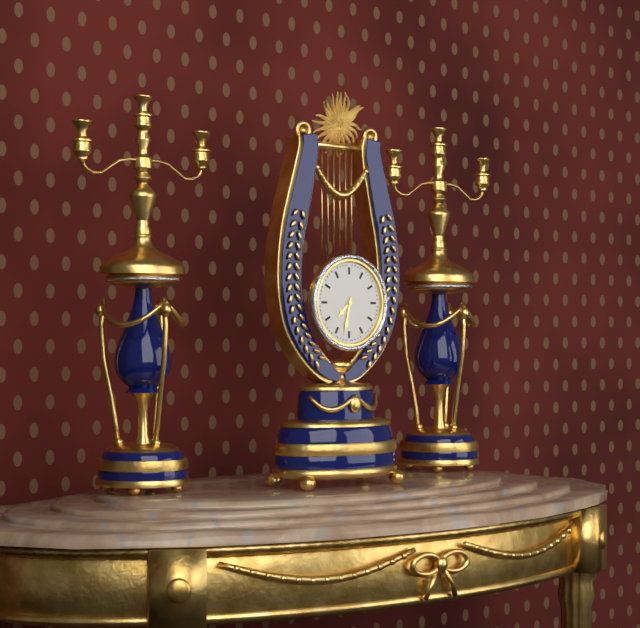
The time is 7,32
